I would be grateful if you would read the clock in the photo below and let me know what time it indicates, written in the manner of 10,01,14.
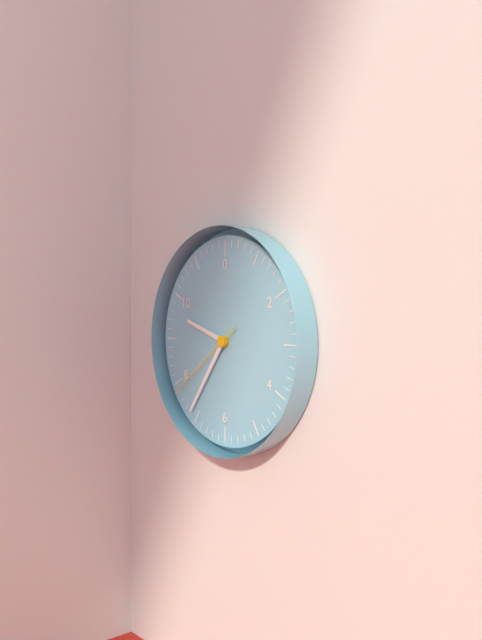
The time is 9,36,39
